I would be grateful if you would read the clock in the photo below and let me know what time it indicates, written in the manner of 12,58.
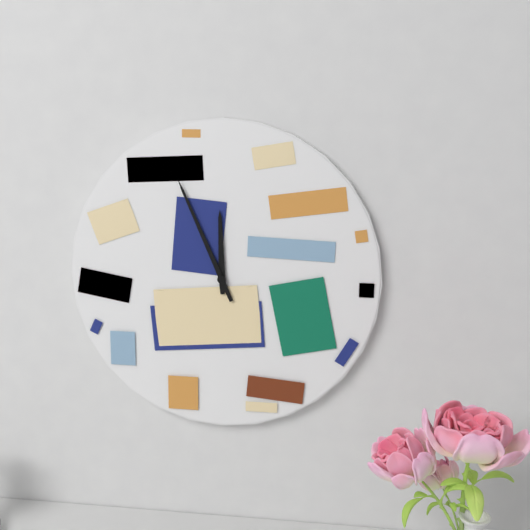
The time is 11,56
